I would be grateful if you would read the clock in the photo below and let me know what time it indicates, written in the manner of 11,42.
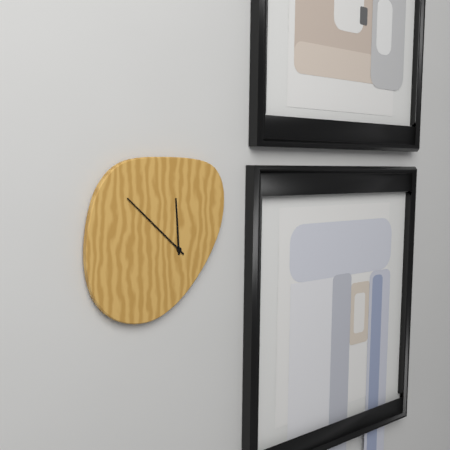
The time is 11,52
